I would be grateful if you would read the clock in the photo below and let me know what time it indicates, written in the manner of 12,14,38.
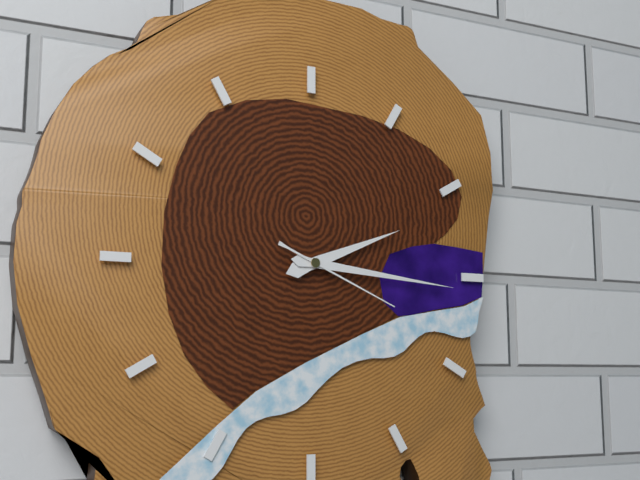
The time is 2,16,19
